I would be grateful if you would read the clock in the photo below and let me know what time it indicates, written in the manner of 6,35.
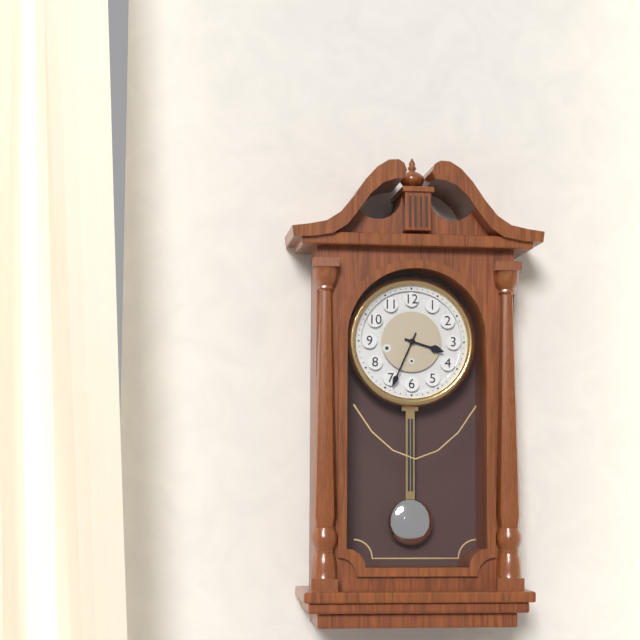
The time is 3,34
